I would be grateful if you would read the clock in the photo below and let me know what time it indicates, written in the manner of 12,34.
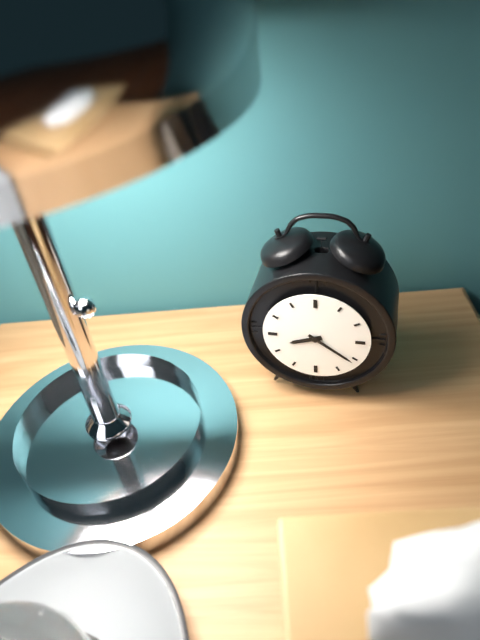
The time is 8,21
